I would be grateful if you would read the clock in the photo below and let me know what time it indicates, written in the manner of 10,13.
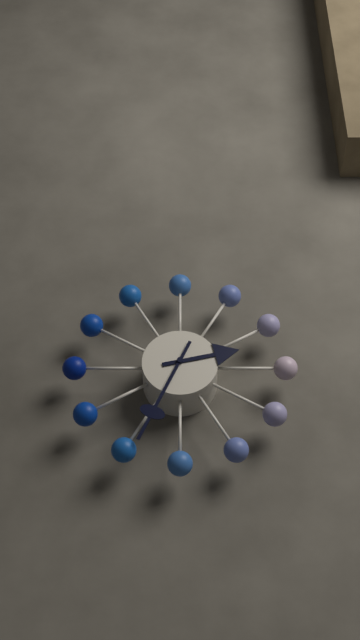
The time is 2,34
